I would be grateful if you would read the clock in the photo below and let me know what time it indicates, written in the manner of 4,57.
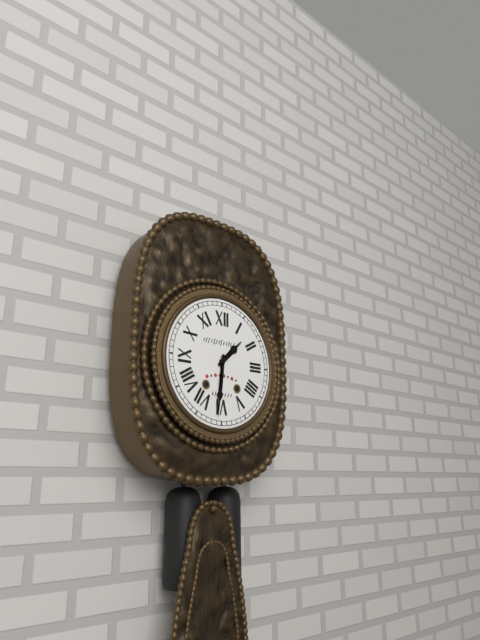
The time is 1,31
